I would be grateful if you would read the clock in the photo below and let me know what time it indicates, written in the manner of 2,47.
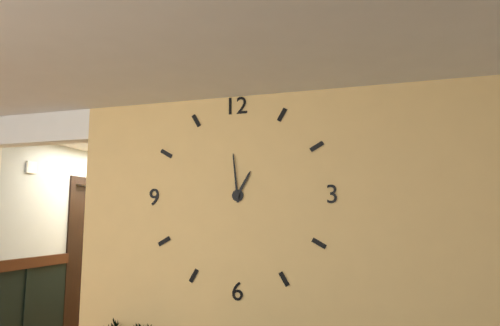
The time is 12,59
